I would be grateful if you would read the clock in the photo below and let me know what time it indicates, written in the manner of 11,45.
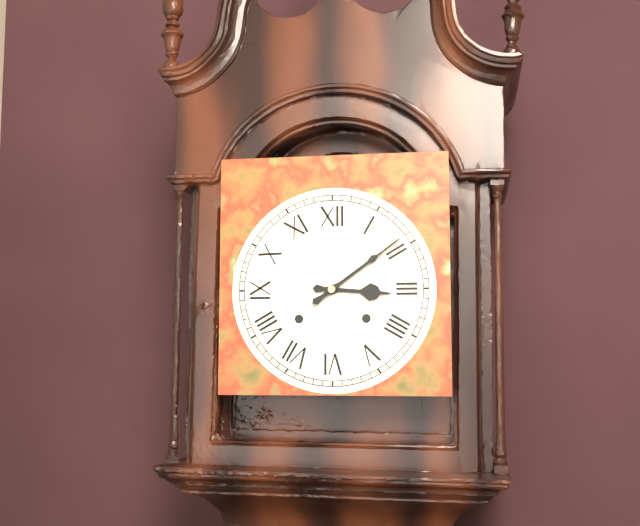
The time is 3,09
